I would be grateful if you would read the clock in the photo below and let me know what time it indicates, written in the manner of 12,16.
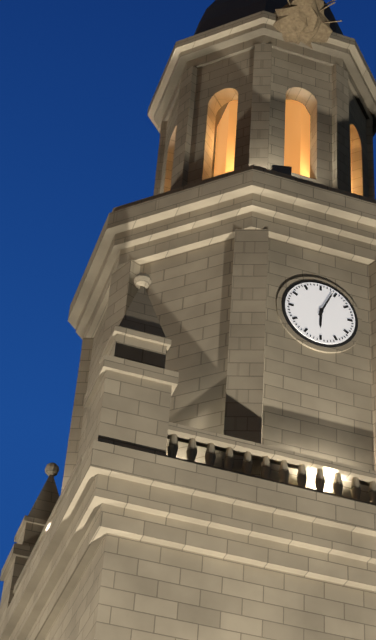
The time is 6,04
